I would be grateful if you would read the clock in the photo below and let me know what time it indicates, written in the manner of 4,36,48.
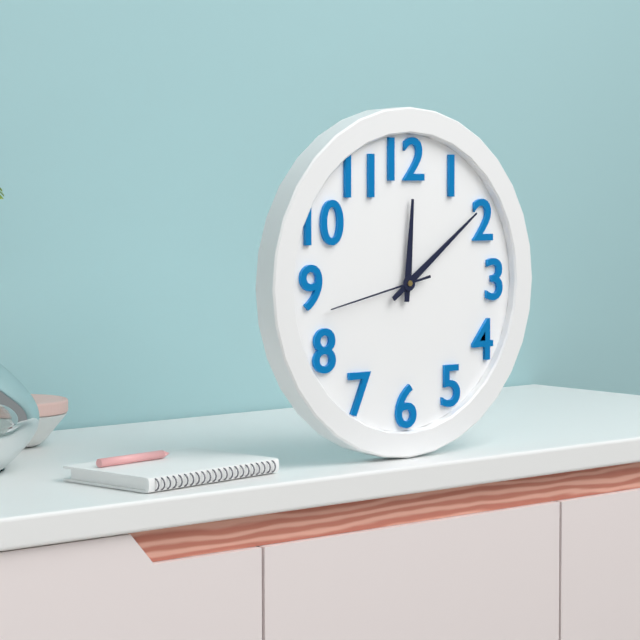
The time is 12,09,43
